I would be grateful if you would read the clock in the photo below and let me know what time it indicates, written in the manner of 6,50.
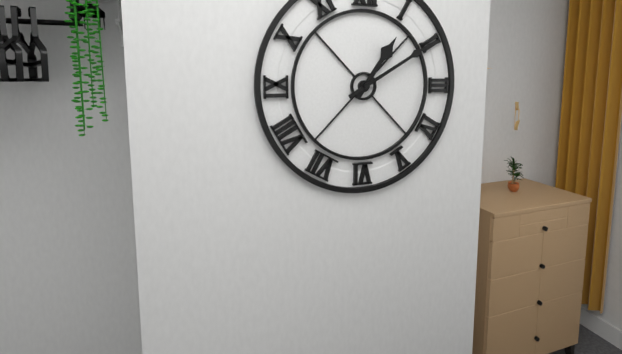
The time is 1,10
